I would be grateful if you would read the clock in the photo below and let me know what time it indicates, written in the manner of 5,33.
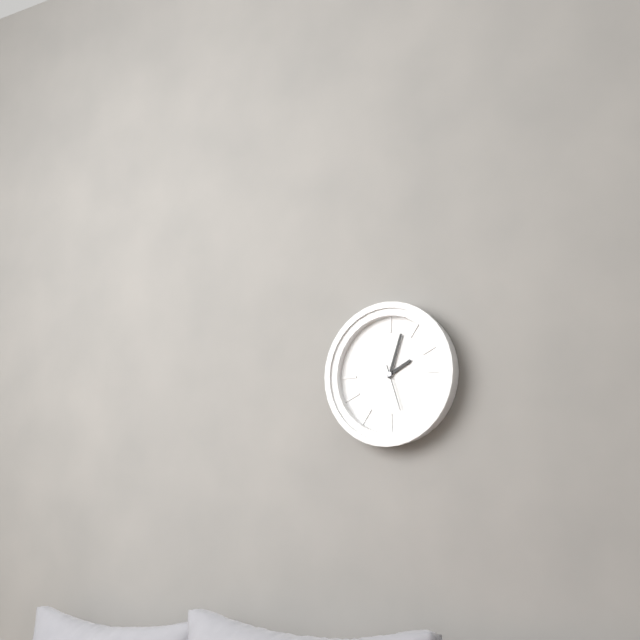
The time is 2,03
